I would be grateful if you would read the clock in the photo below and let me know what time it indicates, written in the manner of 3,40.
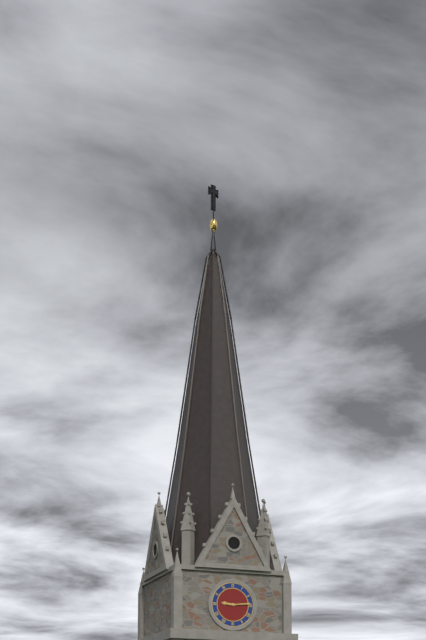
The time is 9,14
